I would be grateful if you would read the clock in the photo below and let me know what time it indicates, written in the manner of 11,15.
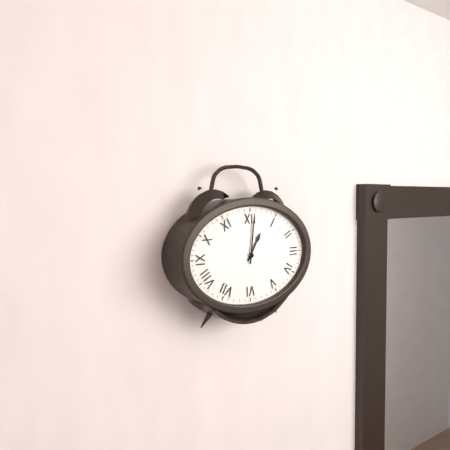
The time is 1,01
